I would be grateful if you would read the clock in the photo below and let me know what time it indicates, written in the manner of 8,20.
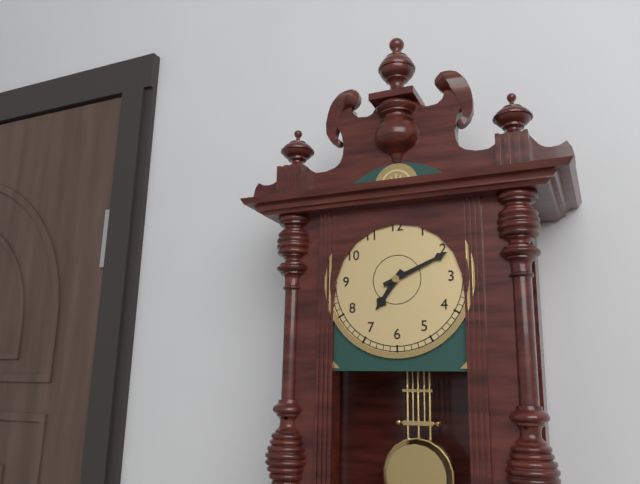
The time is 7,11
